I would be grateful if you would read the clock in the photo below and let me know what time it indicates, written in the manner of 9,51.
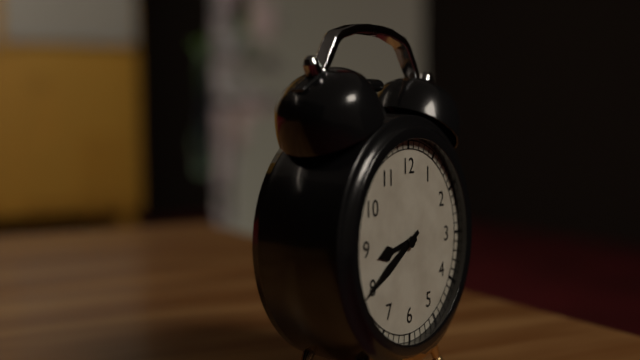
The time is 8,40
